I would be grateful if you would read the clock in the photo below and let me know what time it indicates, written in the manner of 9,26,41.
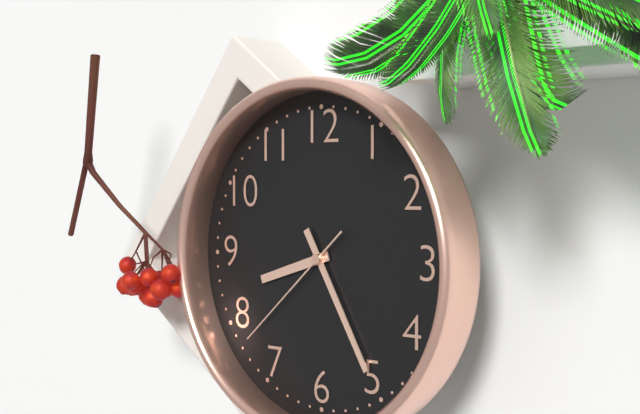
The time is 8,25,38
